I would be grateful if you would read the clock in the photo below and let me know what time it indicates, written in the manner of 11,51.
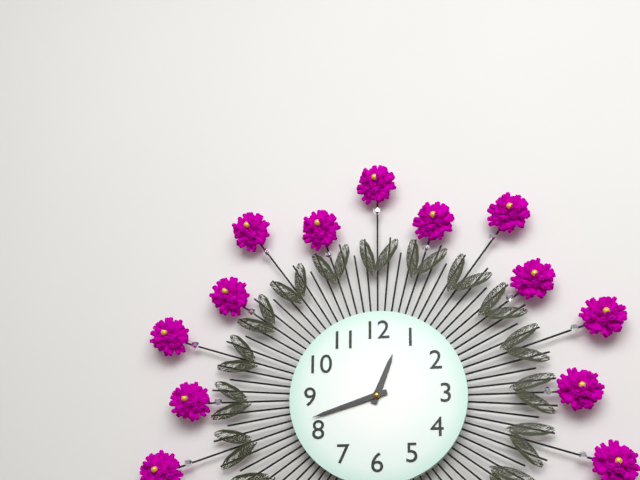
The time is 12,42
